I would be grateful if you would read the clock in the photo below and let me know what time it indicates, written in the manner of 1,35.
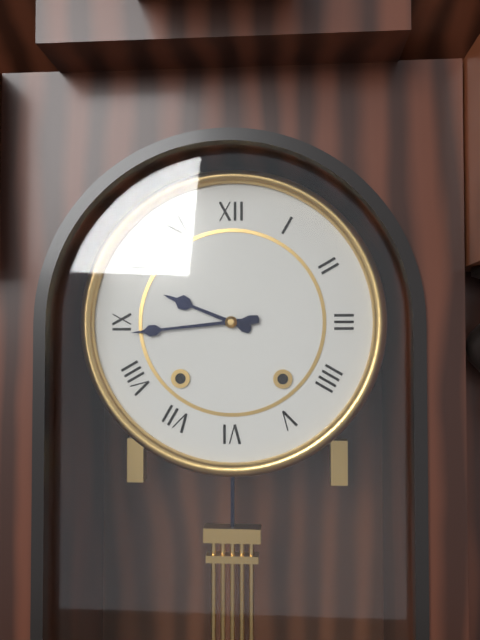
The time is 9,44
